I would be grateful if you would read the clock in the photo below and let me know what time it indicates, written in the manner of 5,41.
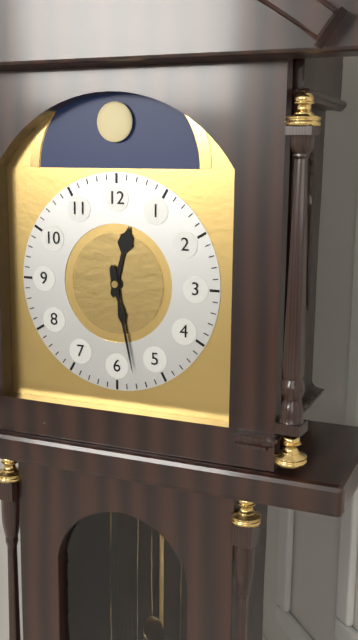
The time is 12,28
